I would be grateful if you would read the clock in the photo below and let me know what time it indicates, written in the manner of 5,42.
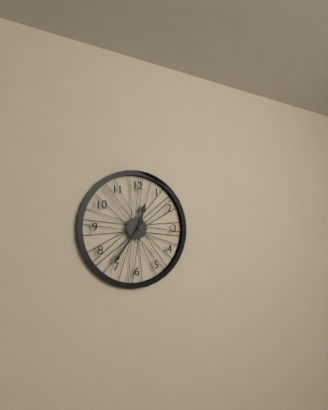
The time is 12,36
